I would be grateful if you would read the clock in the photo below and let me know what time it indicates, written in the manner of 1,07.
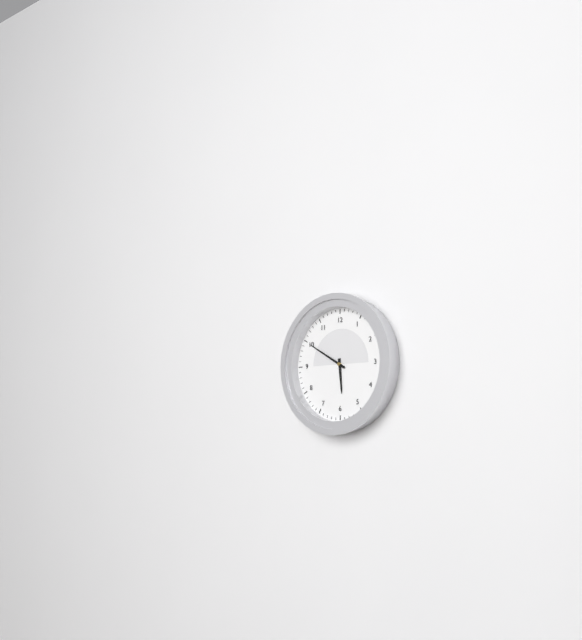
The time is 5,50
